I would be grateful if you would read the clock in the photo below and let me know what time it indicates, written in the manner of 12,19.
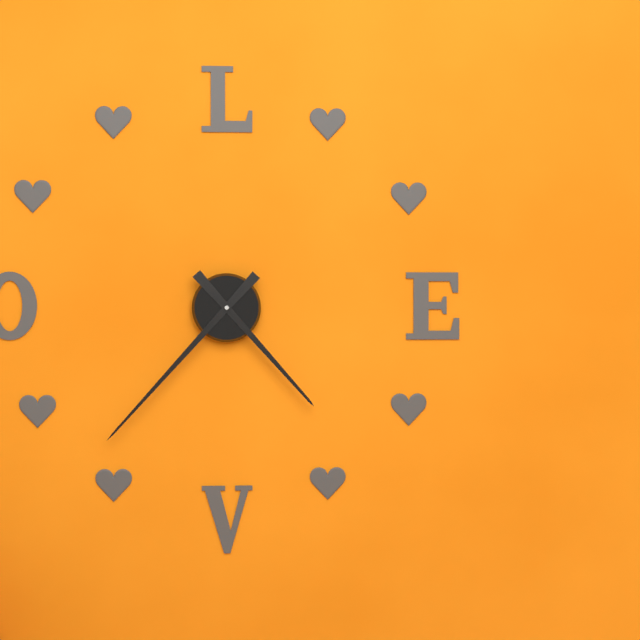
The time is 4,37
